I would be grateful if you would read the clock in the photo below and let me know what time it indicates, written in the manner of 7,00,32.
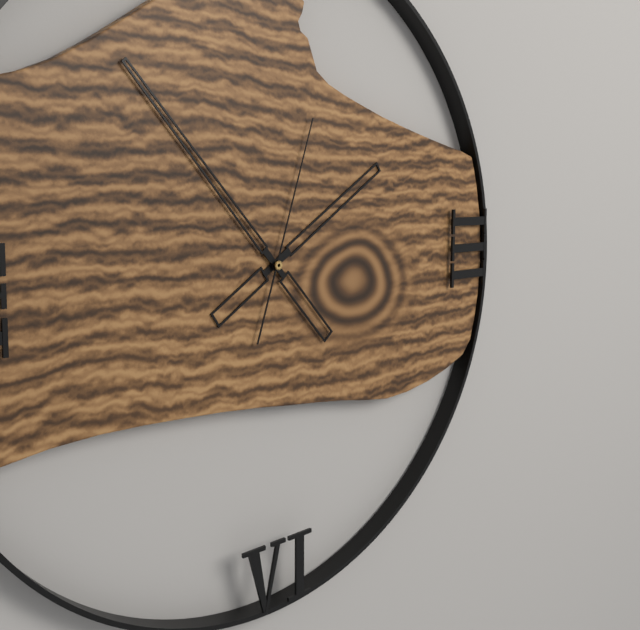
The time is 1,53,03
